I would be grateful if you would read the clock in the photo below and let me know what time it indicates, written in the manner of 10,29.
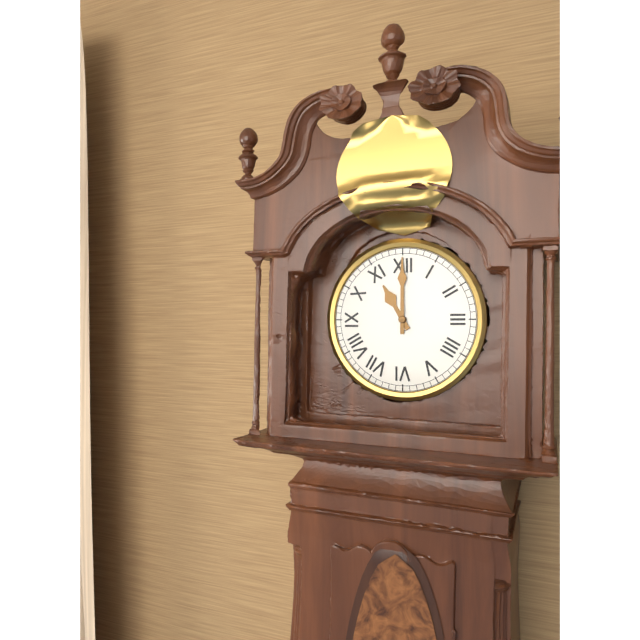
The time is 11,00
